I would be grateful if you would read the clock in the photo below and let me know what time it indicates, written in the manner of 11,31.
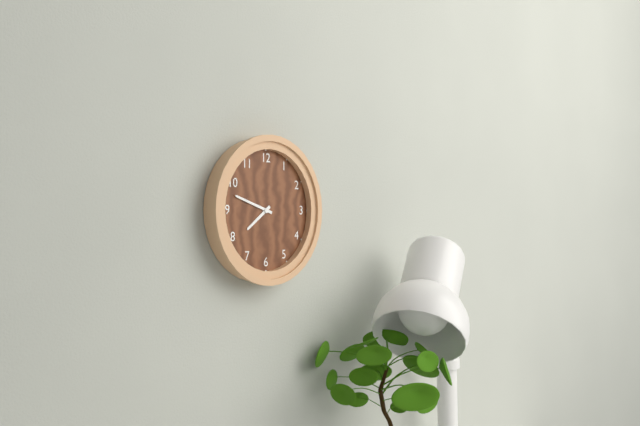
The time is 7,48
